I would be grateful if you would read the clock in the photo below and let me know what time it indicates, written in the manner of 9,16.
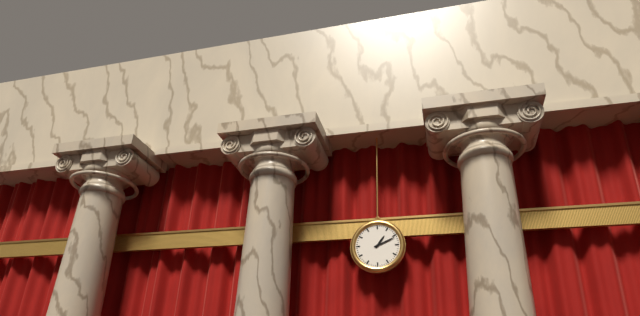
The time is 1,11
